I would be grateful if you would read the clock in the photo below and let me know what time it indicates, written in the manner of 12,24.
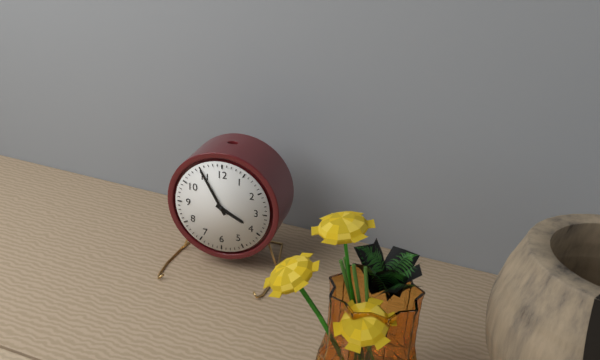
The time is 3,55
